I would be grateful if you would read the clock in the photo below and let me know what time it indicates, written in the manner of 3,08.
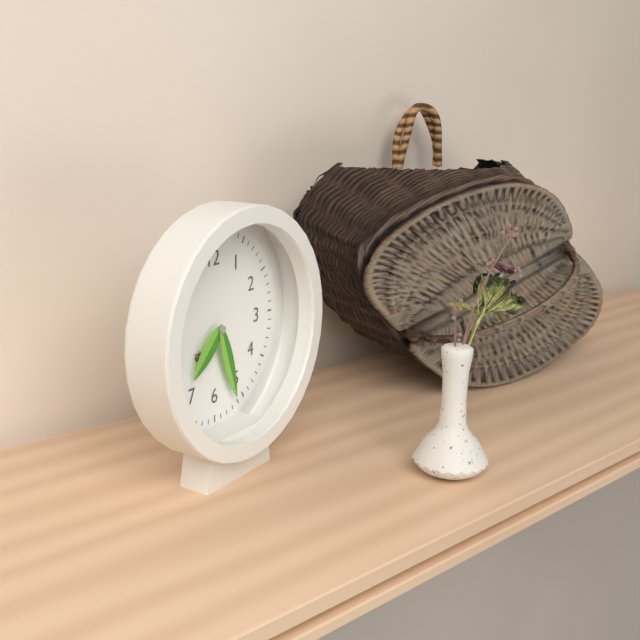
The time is 7,27
